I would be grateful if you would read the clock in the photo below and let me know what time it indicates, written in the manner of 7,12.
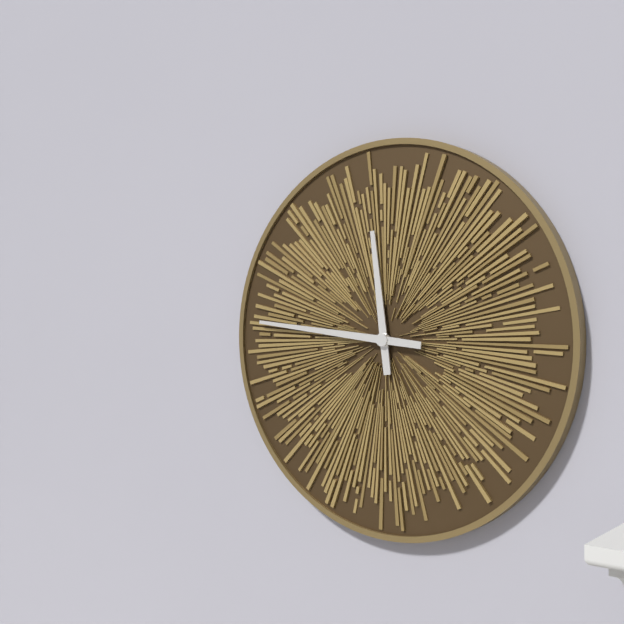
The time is 11,46
